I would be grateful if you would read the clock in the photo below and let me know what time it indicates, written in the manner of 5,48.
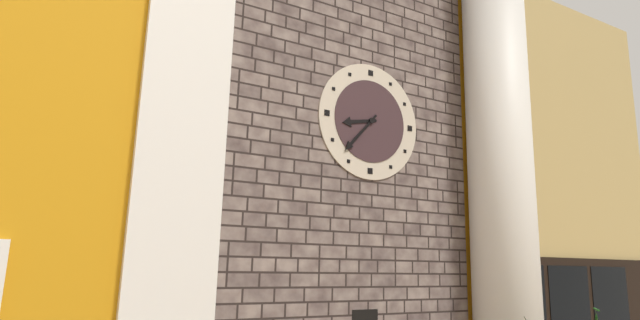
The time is 8,37
